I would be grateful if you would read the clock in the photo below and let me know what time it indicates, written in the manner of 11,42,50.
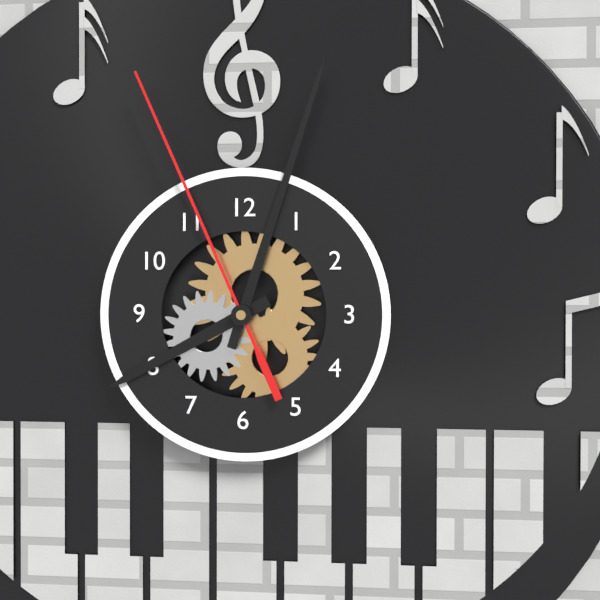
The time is 8,03,56
